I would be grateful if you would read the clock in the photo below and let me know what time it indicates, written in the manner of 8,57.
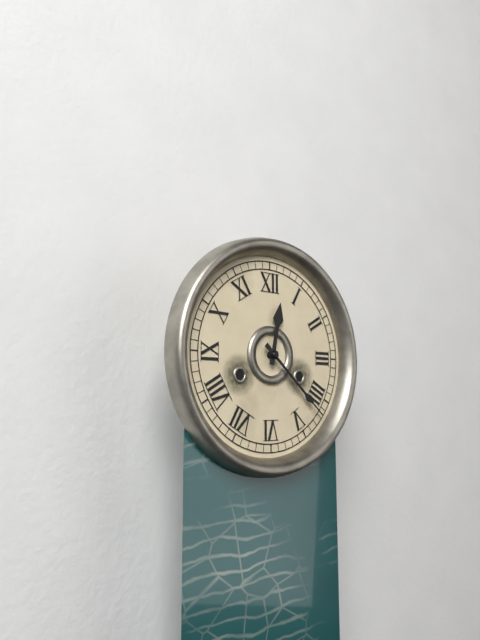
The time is 12,22
